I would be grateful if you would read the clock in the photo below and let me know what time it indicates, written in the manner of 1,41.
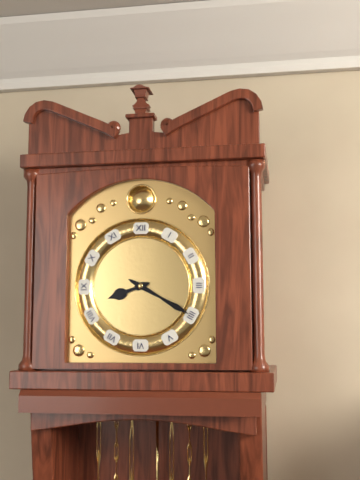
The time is 8,20
